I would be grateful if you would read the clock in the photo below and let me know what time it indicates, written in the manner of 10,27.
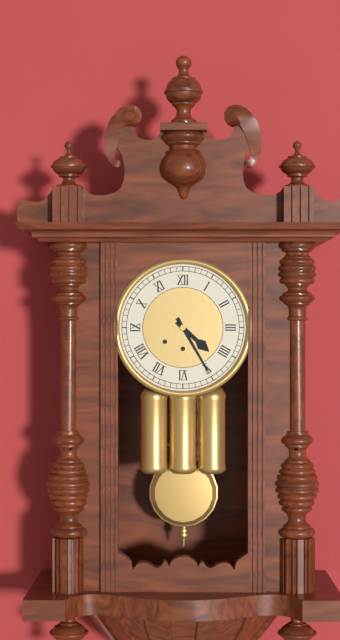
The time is 4,25
